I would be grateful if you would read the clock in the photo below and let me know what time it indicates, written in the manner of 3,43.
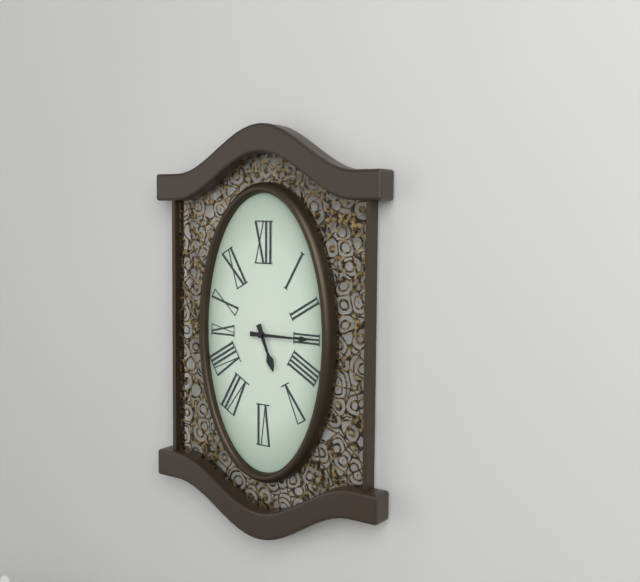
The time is 5,15
